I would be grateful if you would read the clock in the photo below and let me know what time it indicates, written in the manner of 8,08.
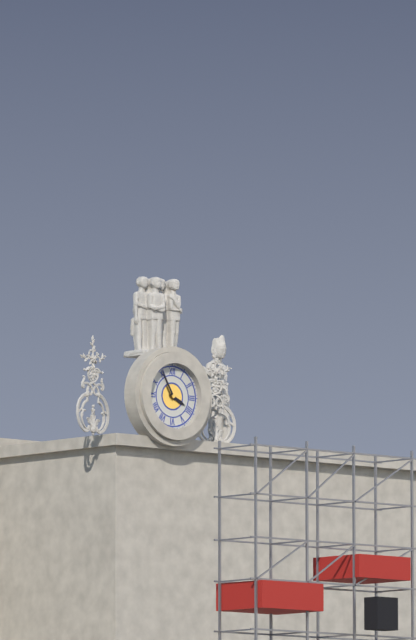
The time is 3,55
